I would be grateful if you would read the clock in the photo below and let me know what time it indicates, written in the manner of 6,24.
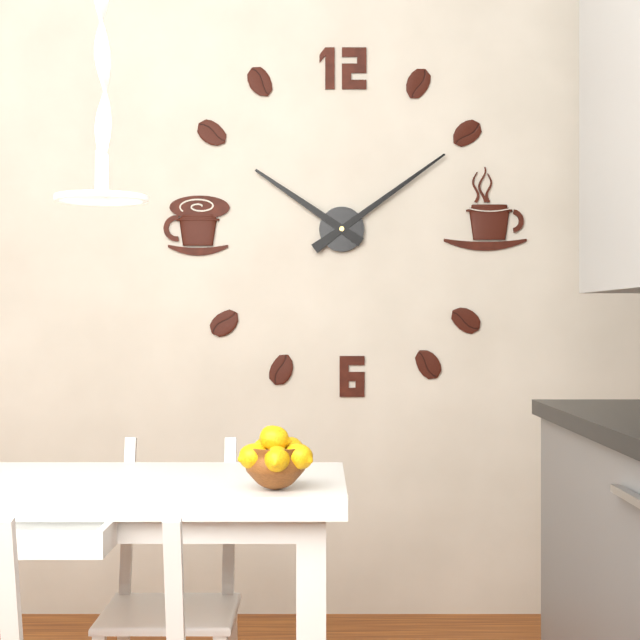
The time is 10,09
